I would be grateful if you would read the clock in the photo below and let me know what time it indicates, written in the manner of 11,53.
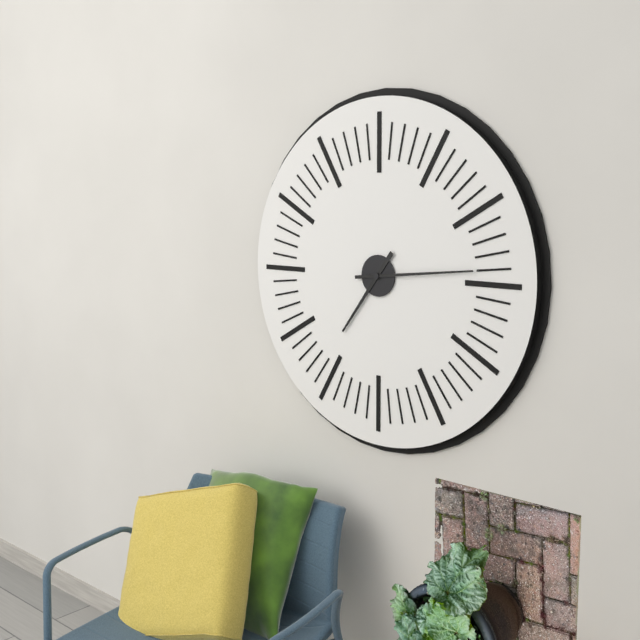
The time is 7,14
